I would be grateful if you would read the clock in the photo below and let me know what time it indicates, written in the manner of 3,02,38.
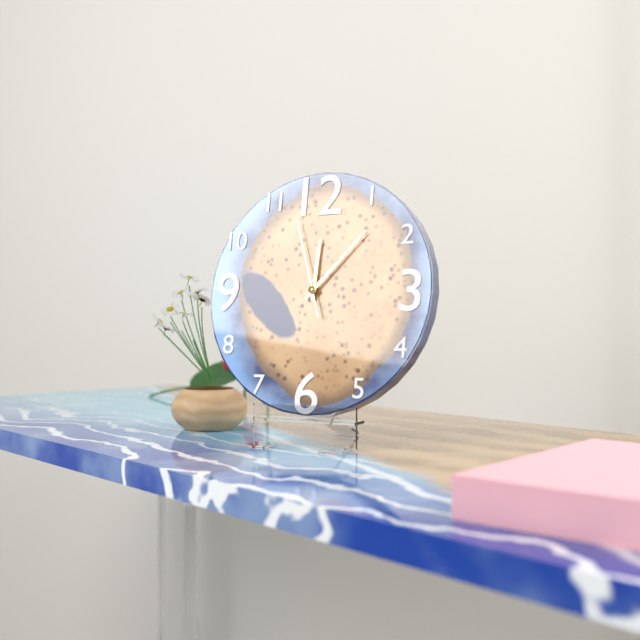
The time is 12,07,57
